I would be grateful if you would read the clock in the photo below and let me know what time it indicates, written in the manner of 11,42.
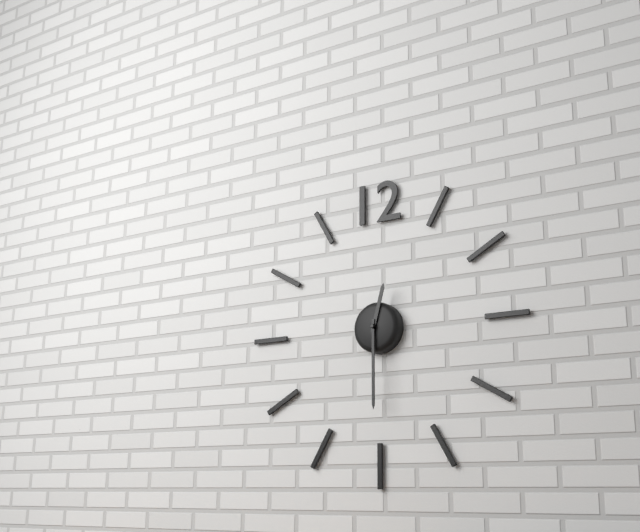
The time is 12,30
